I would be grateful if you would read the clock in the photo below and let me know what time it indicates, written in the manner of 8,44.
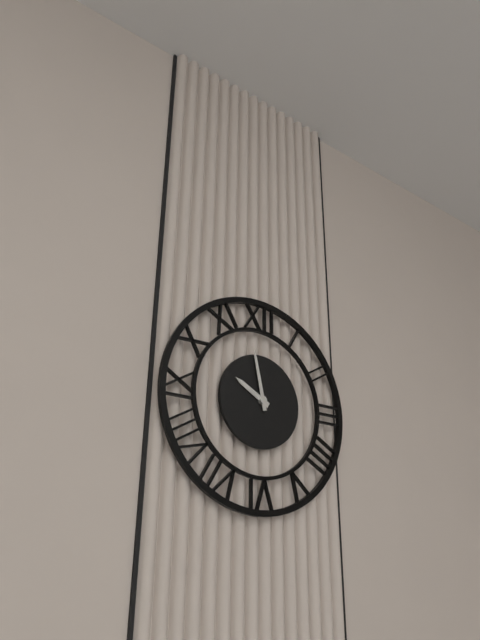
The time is 9,58
